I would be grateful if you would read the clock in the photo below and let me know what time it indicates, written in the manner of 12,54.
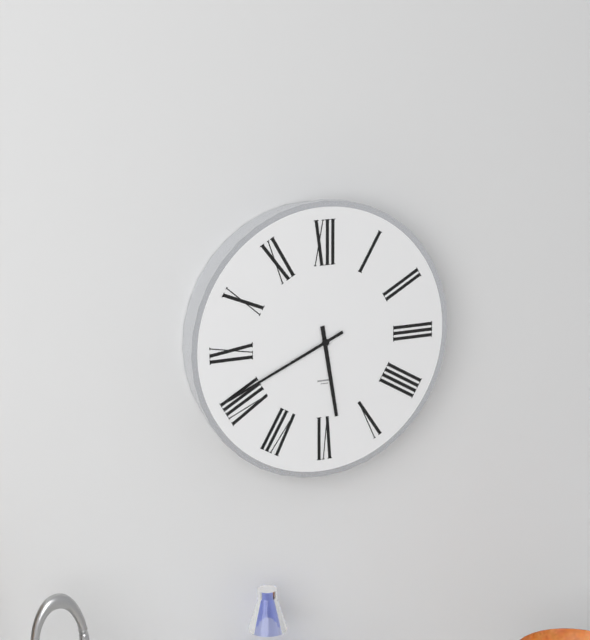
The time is 5,41
